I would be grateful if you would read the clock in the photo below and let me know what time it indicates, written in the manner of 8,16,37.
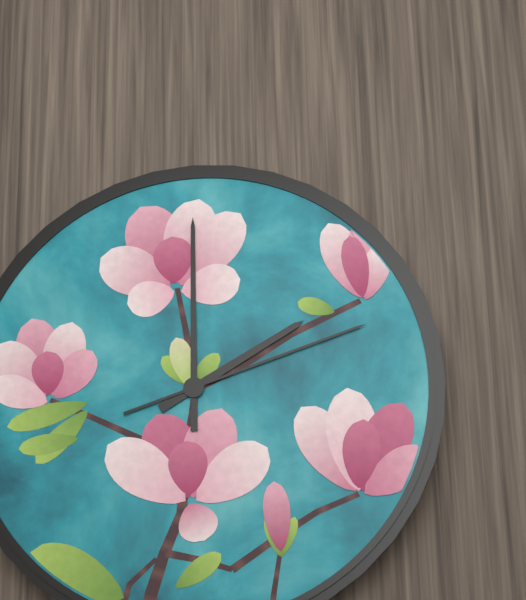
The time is 2,00,12
